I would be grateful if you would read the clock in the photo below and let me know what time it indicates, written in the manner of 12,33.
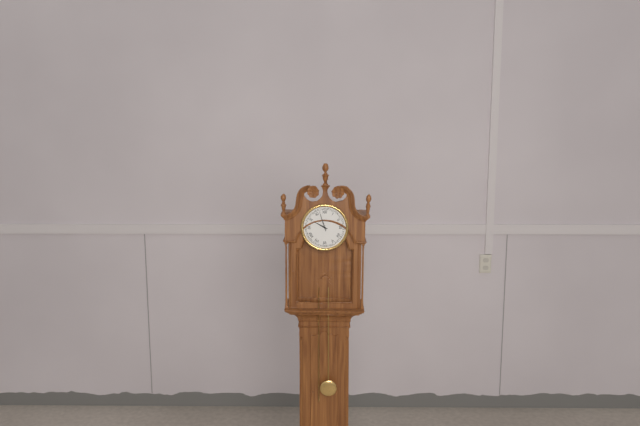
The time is 9,57
